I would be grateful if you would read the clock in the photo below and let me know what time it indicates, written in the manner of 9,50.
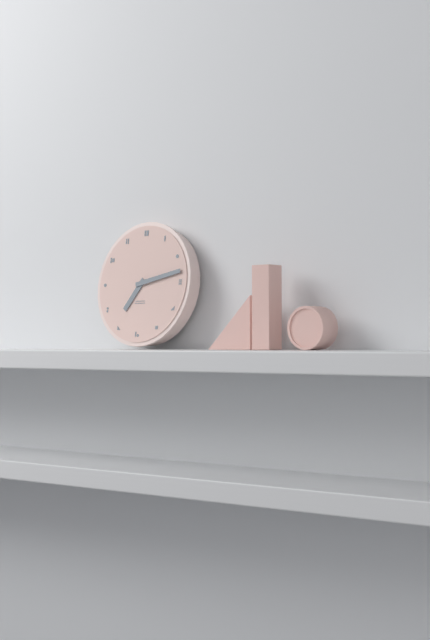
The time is 7,13
